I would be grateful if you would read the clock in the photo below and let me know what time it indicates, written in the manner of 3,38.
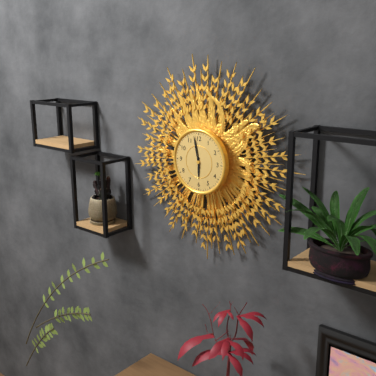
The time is 5,58
